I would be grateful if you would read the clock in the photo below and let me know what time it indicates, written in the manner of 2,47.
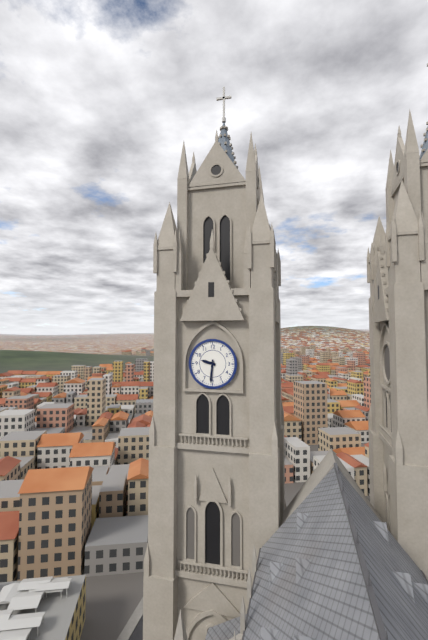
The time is 9,31
